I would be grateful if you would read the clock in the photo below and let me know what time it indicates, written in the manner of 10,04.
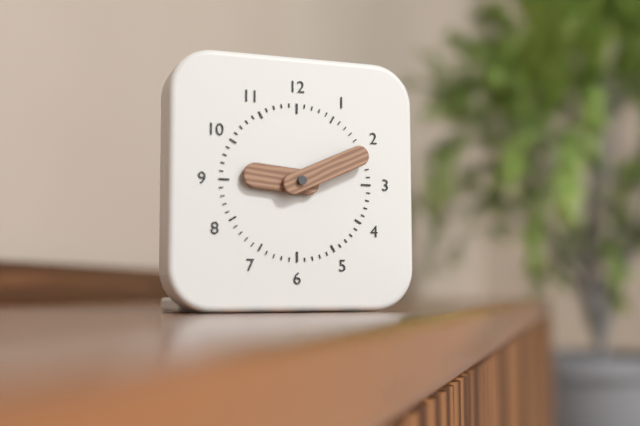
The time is 9,11
